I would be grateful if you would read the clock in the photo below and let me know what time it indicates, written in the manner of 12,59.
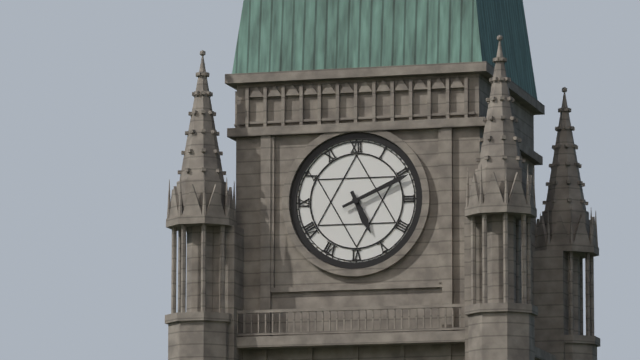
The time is 5,11
